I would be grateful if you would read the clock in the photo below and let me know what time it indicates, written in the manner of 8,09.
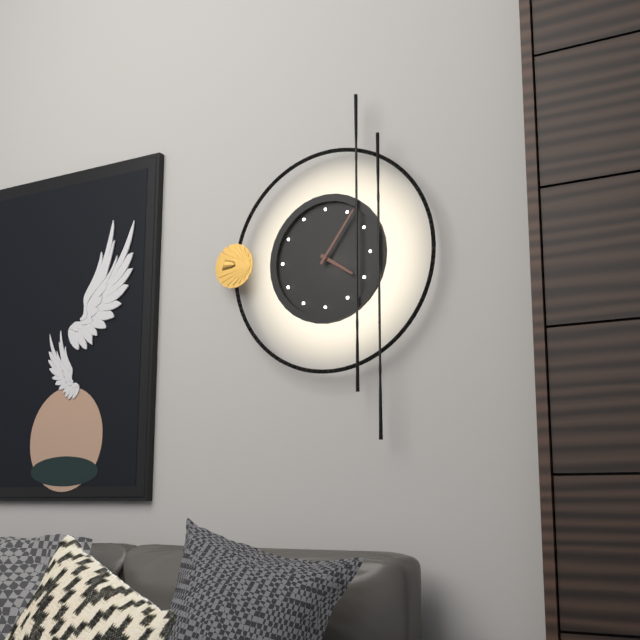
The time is 4,06
